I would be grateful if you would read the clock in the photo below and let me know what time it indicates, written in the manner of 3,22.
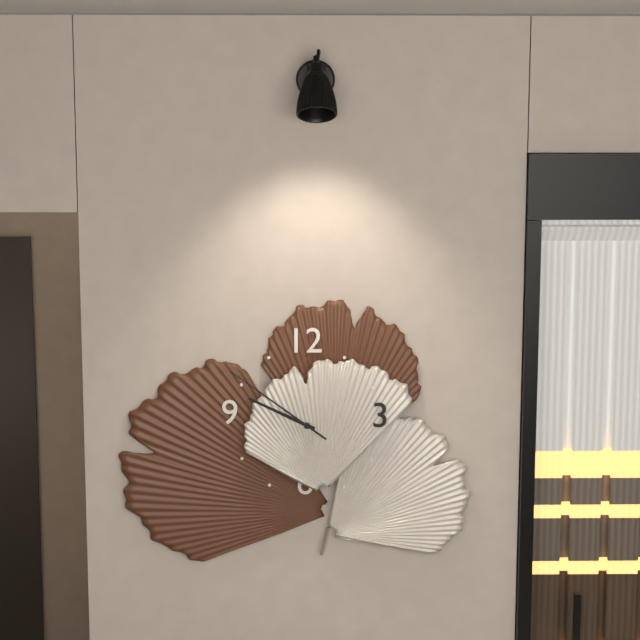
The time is 9,51
